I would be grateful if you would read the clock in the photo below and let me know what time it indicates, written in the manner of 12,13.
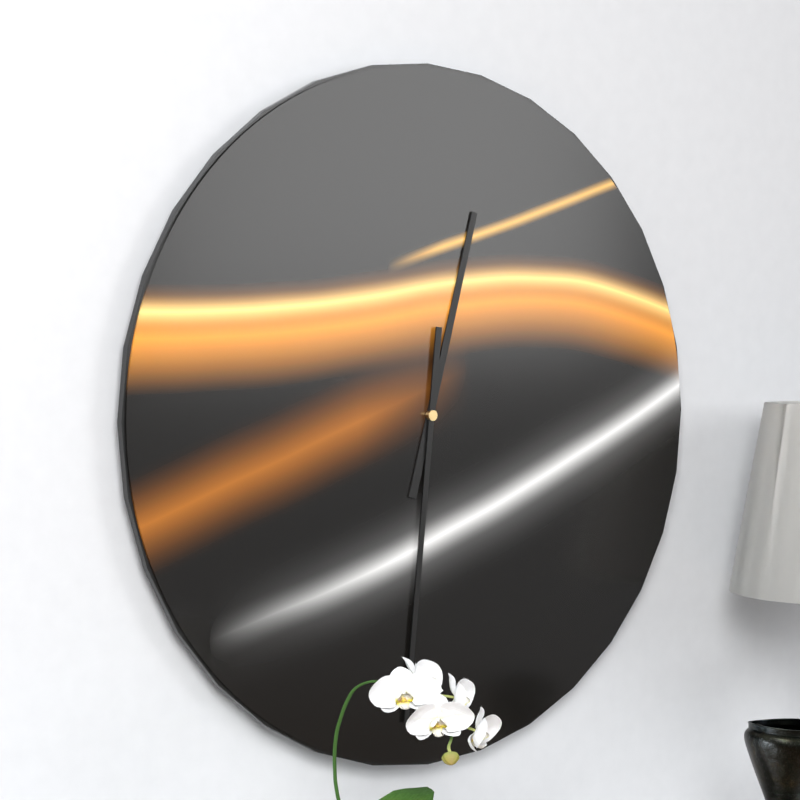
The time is 12,31
